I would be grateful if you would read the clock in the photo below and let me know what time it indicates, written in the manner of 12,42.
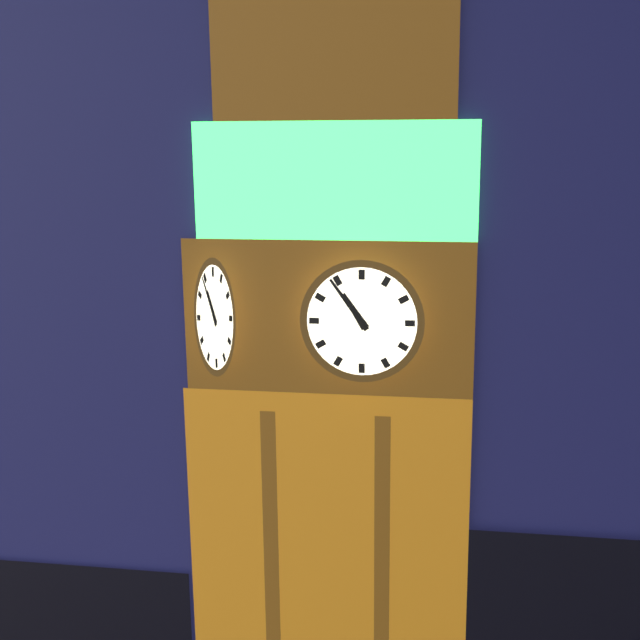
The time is 10,54
